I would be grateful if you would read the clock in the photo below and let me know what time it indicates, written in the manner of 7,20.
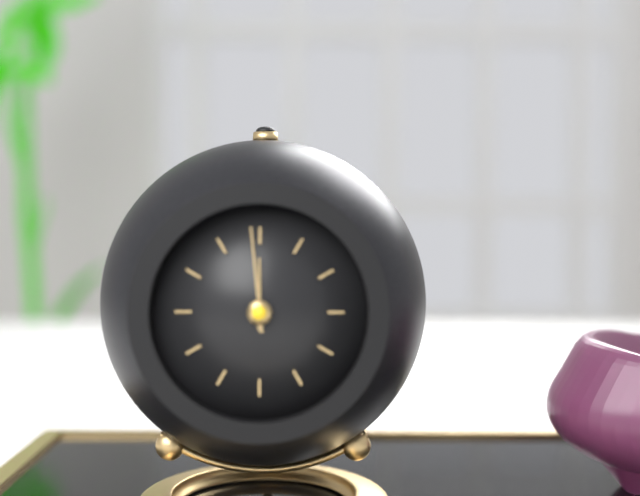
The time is 11,59
